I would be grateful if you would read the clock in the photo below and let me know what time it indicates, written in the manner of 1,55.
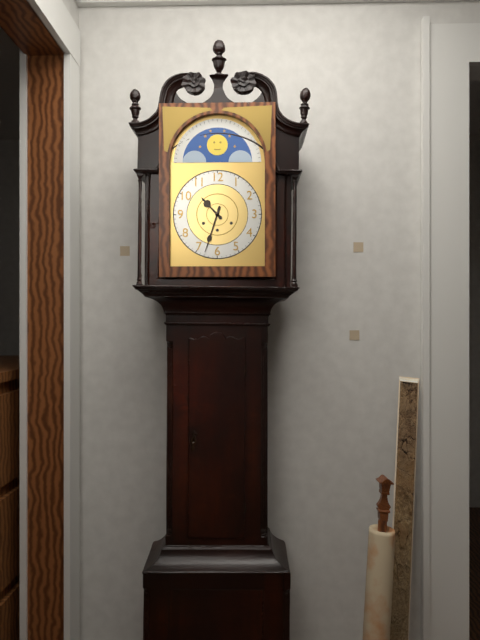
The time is 10,33
